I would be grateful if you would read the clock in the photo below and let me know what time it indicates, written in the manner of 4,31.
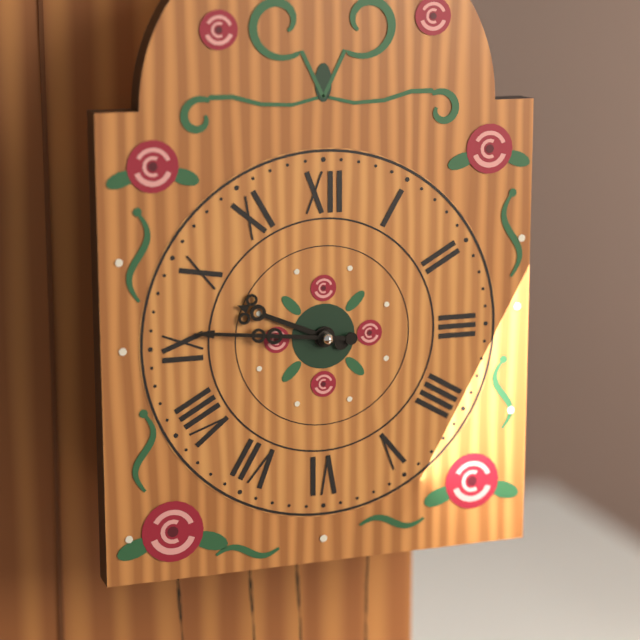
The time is 9,46
